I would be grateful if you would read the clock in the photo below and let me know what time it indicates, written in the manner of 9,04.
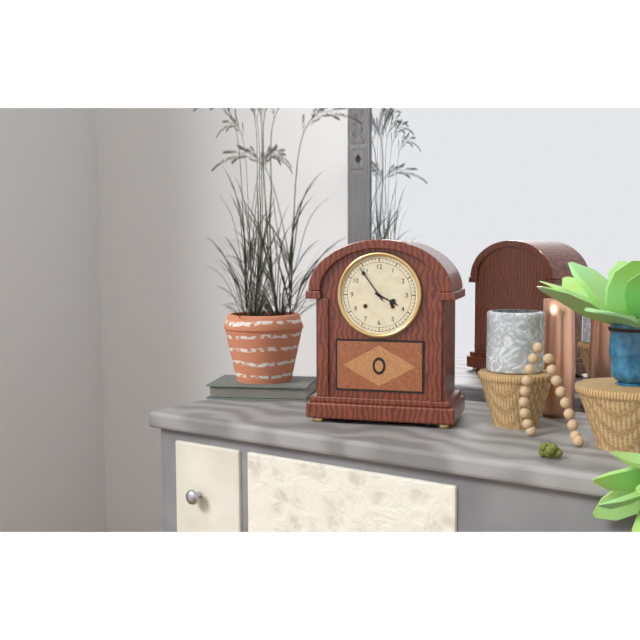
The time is 3,54
